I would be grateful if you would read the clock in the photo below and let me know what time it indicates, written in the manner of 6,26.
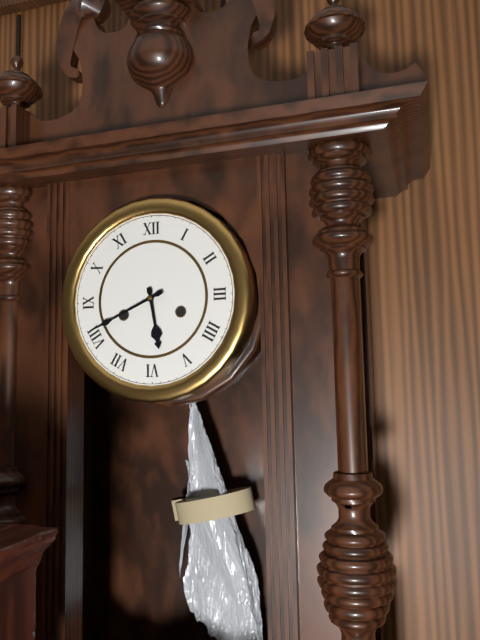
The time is 5,41
